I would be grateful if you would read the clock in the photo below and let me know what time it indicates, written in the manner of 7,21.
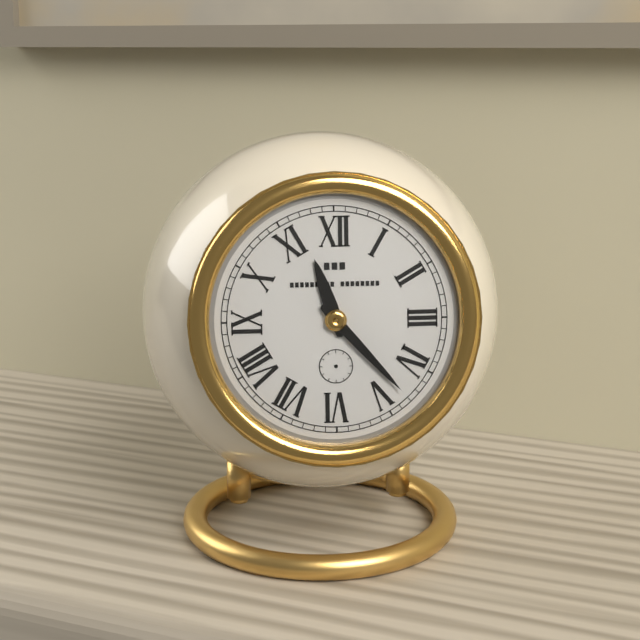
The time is 11,23
